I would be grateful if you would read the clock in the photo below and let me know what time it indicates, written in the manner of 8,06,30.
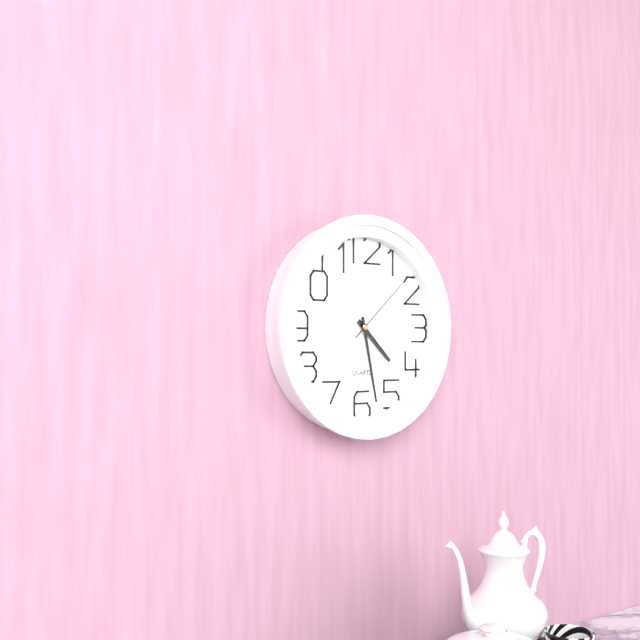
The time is 4,28,08
